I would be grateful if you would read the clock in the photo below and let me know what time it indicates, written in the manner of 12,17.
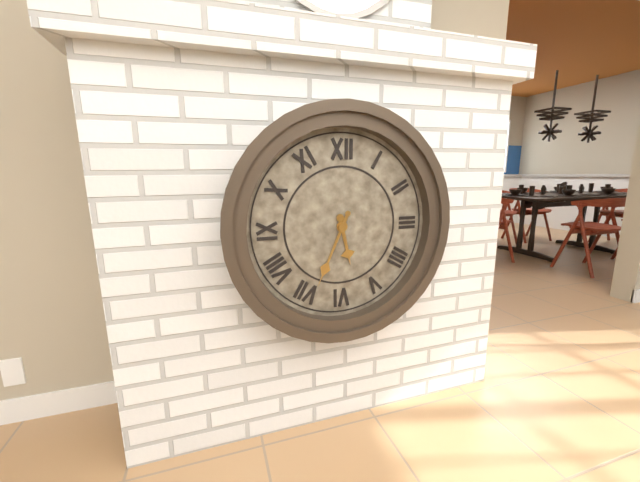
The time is 5,34
